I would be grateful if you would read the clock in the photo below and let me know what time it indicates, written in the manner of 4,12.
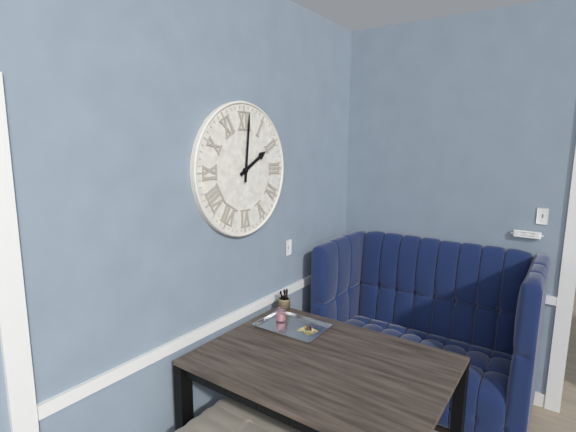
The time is 2,01
